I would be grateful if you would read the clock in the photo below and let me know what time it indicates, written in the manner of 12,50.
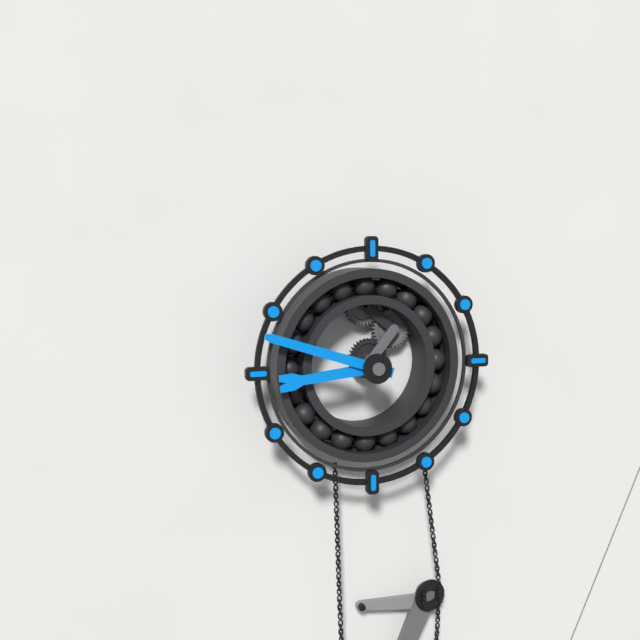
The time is 8,48
